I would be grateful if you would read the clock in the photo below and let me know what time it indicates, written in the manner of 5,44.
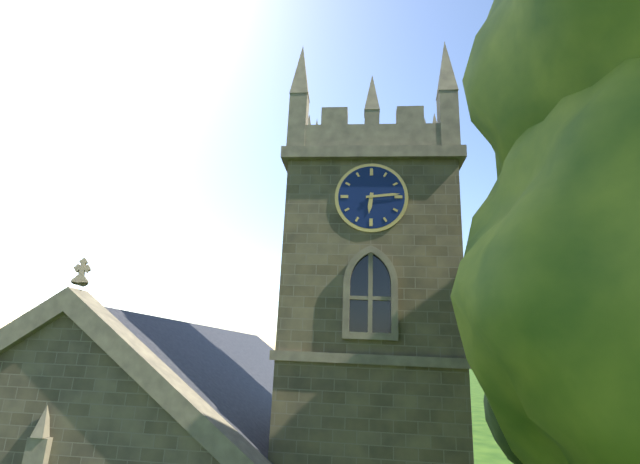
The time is 6,14
